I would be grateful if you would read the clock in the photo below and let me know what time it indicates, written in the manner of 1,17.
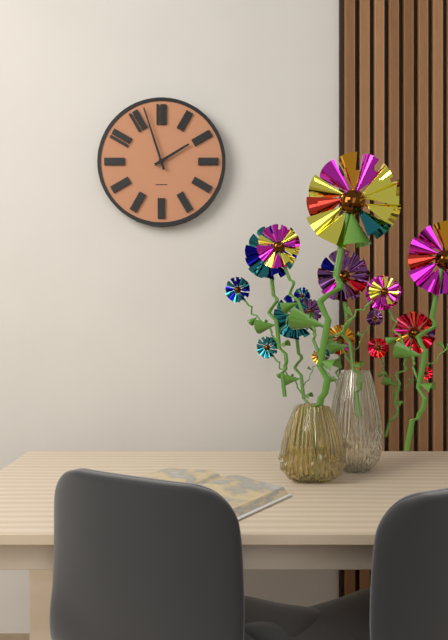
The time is 1,57
